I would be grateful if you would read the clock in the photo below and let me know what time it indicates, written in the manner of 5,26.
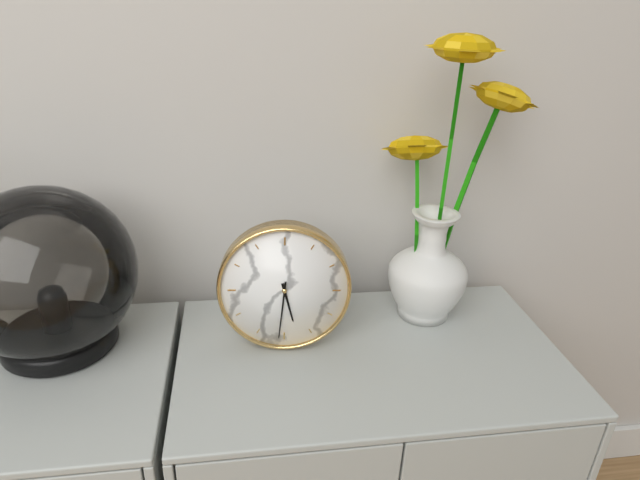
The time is 5,31
